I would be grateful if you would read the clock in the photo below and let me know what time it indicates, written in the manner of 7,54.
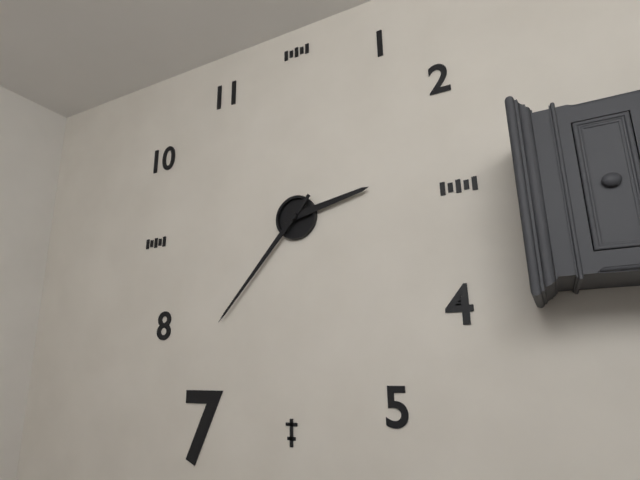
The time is 2,37
